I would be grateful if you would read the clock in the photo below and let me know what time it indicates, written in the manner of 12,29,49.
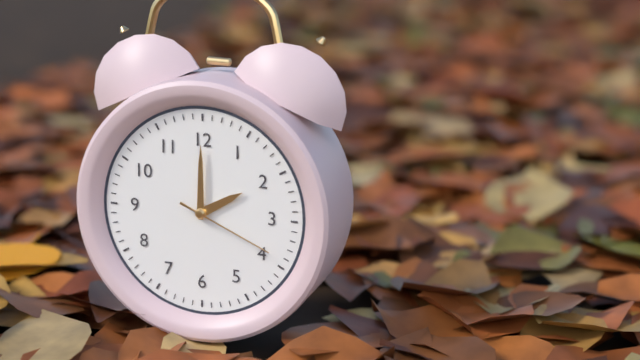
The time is 2,00,19
